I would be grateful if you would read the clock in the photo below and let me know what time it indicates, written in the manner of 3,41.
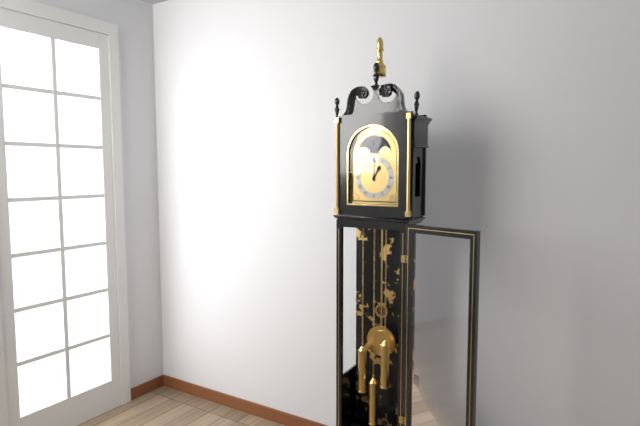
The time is 1,00
